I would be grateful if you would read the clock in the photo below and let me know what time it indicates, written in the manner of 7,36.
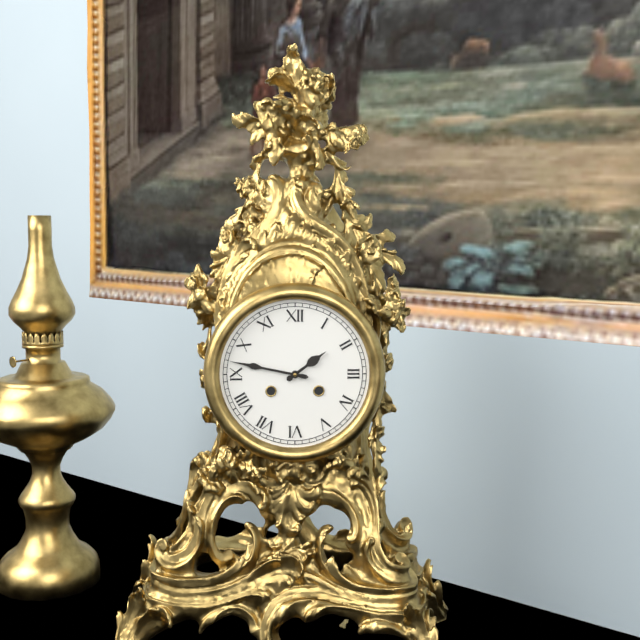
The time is 1,47
